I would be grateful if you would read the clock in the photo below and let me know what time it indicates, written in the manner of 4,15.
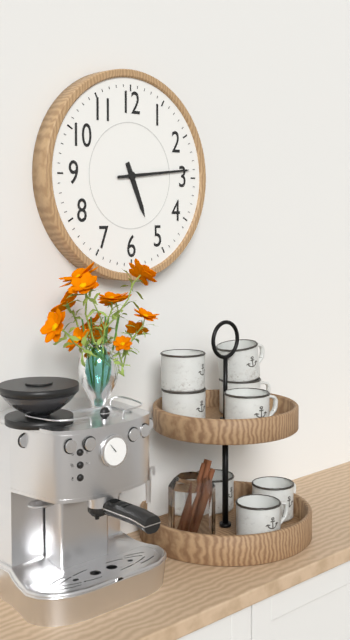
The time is 5,14
